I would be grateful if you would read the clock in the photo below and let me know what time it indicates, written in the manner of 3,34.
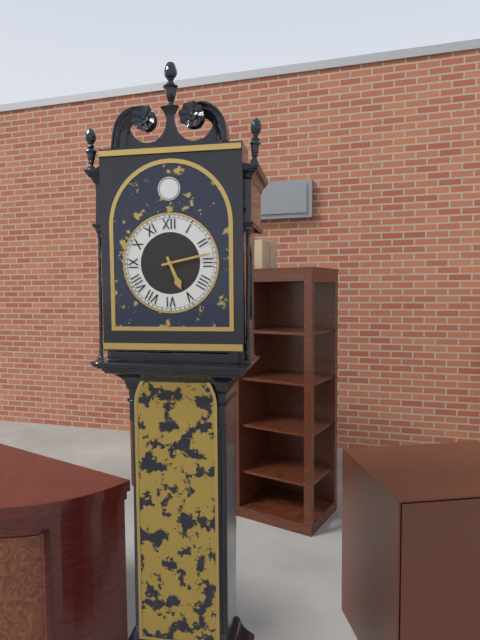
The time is 5,13
